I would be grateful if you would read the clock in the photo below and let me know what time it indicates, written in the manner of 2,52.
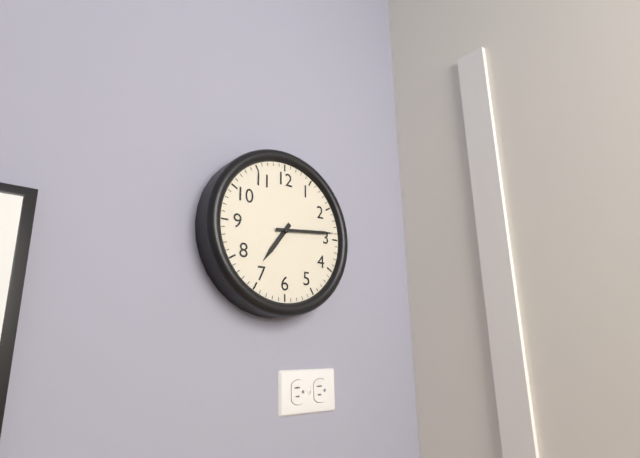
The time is 7,14
